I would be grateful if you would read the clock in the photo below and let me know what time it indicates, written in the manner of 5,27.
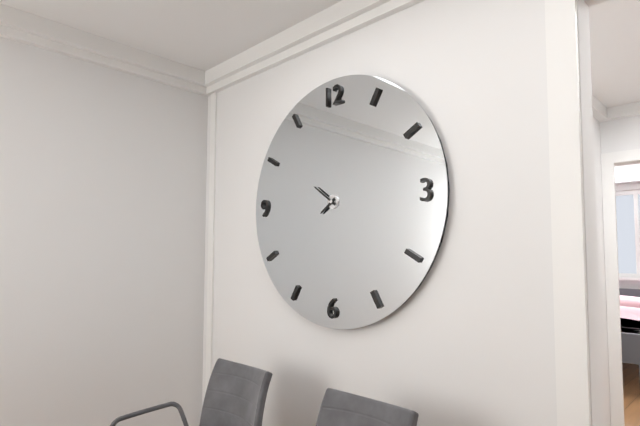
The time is 7,51
